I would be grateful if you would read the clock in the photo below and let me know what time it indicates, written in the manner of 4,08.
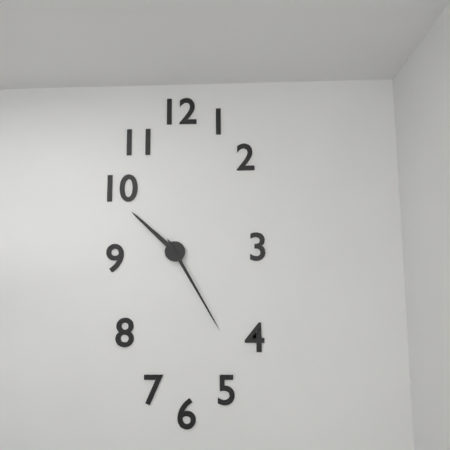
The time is 10,25
